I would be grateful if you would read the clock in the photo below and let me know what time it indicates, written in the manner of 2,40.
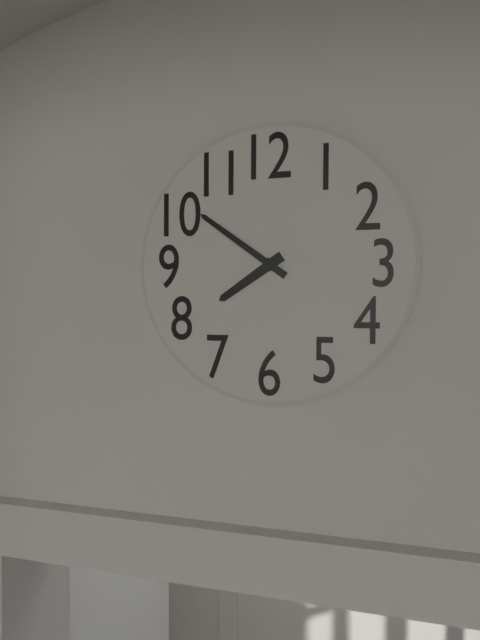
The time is 7,51
